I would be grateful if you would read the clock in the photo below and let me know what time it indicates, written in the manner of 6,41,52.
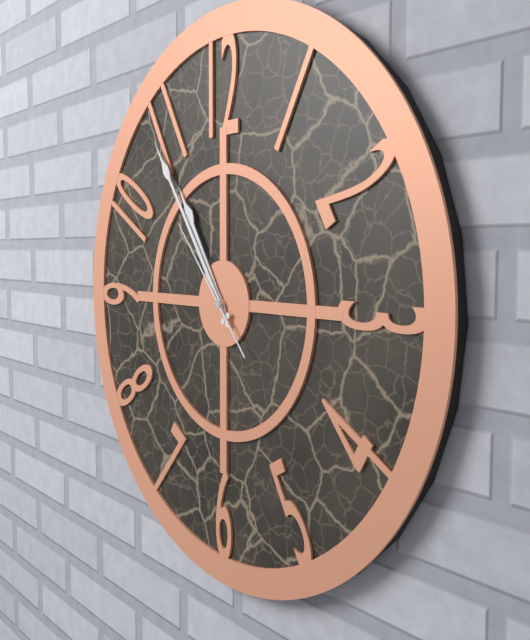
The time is 10,54,53
